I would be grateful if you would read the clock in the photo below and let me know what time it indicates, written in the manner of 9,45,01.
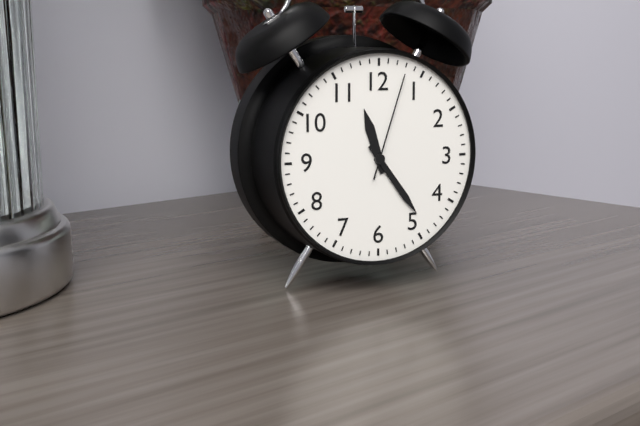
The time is 11,24,03
